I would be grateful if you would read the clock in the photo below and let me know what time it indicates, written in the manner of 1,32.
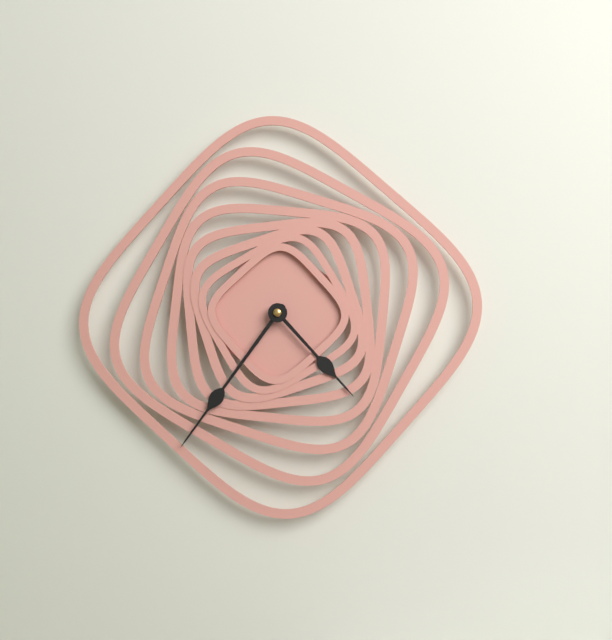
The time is 4,36
